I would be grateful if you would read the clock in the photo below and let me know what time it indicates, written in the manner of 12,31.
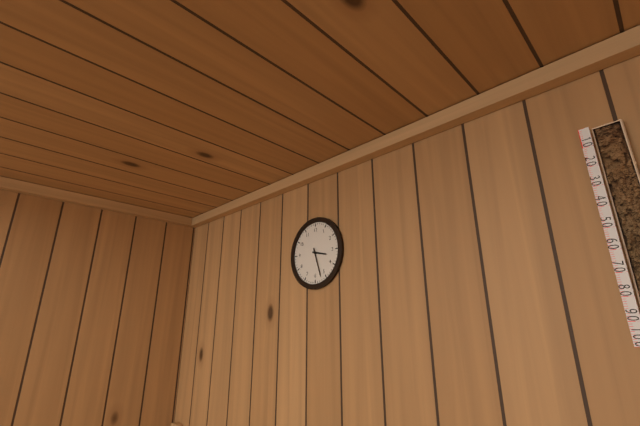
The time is 3,27
